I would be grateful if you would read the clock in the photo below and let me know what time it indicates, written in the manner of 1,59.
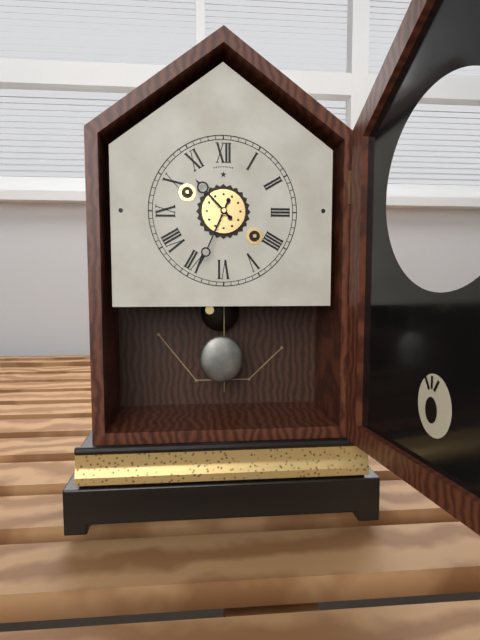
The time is 10,34
